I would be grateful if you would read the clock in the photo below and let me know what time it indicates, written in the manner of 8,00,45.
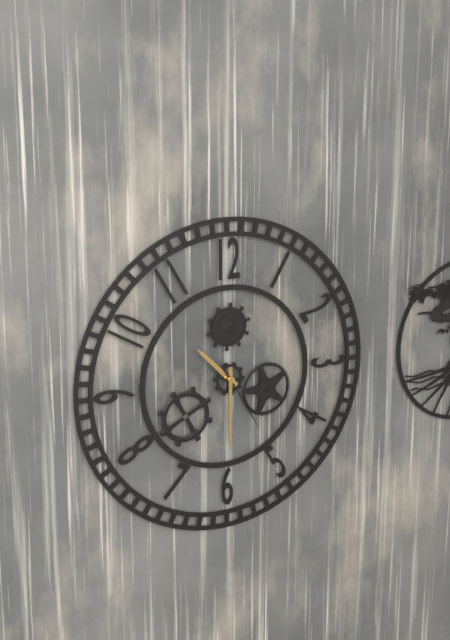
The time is 10,30,25
